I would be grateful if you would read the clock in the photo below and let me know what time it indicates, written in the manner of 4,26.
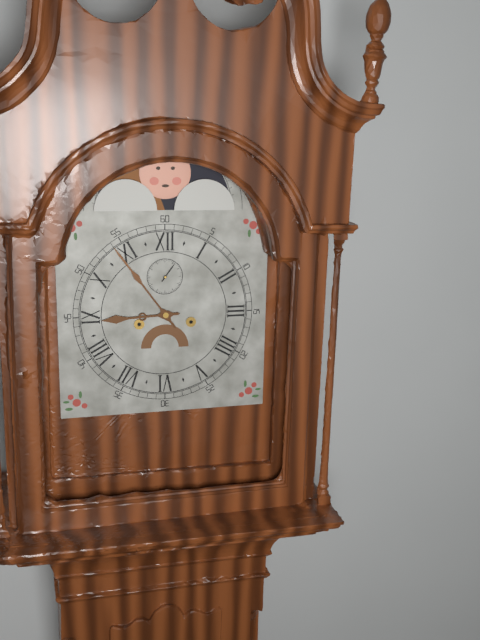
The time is 8,54
